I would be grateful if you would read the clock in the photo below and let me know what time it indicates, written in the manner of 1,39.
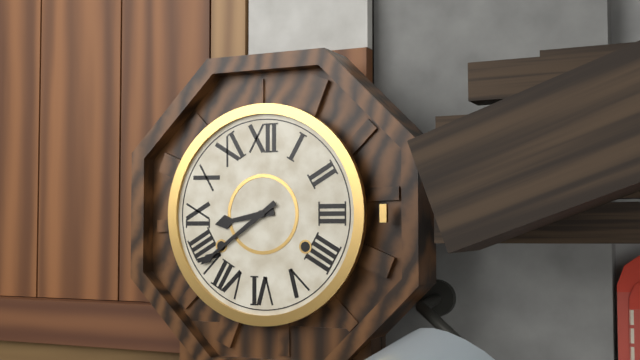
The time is 8,39
